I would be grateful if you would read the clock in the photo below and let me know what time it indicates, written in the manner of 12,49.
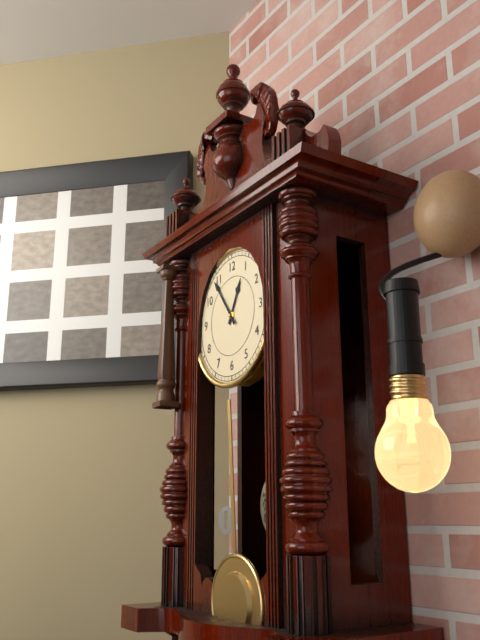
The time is 12,54
